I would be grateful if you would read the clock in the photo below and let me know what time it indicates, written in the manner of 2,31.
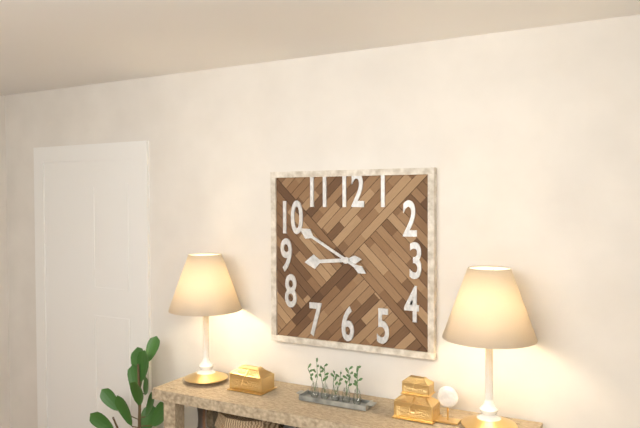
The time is 8,50
